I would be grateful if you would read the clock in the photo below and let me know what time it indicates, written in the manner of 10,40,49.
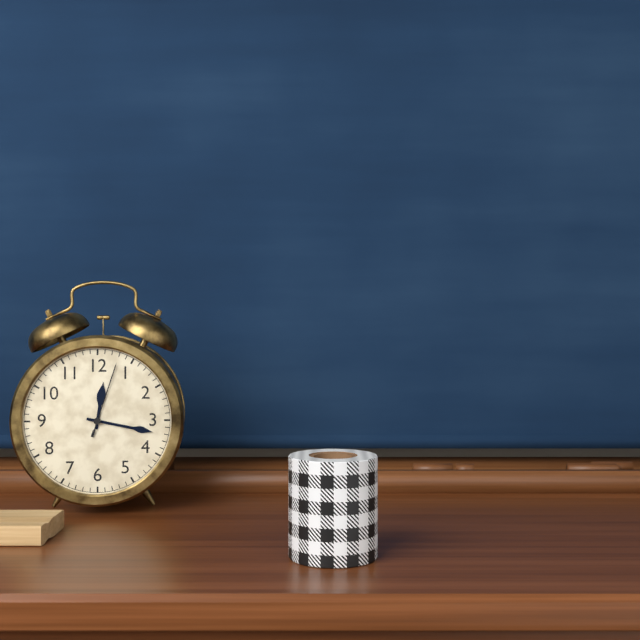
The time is 12,17,03
